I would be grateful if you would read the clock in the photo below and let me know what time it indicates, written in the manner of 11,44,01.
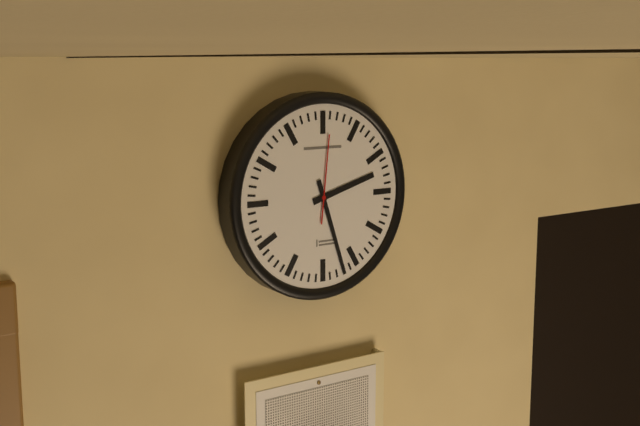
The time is 2,27,01
